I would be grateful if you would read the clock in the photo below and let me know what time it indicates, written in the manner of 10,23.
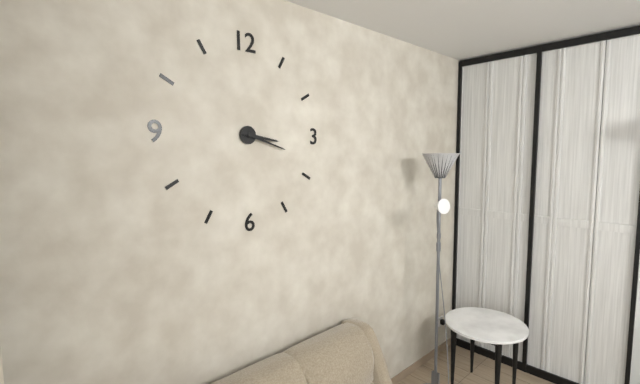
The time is 3,18
